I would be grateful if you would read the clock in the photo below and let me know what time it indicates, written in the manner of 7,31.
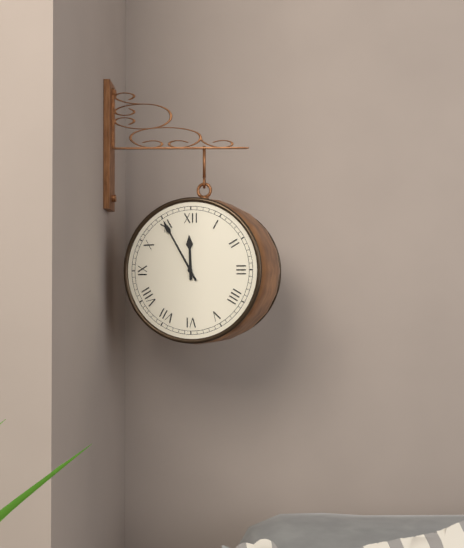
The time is 11,55
